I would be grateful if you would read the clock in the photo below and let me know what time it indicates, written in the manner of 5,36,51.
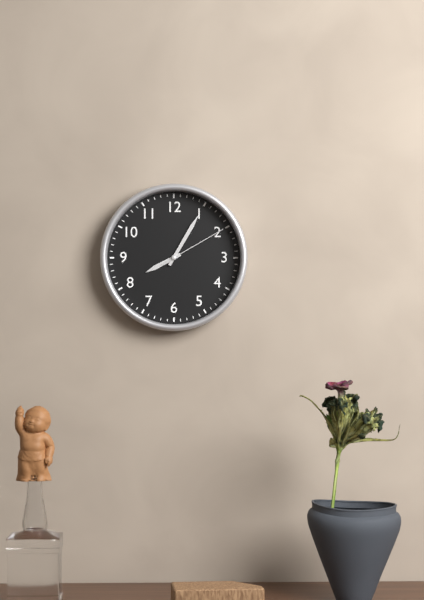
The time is 8,05,10
